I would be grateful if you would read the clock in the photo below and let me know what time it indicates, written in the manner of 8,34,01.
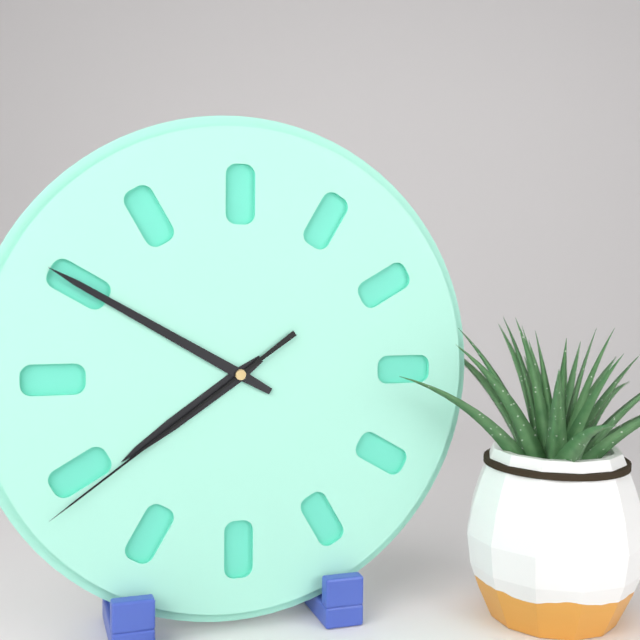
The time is 7,50,39
